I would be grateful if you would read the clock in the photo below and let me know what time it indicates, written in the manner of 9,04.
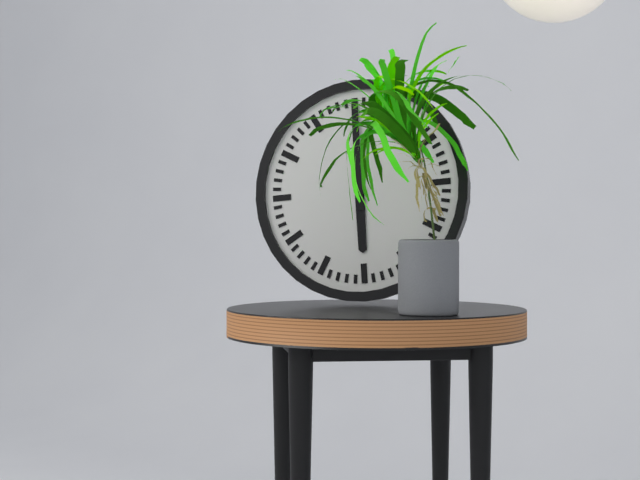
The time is 6,00
